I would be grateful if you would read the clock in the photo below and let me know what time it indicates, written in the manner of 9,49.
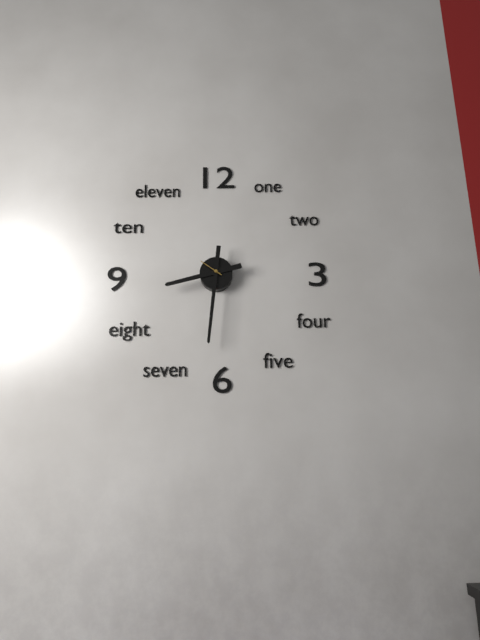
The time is 8,31
